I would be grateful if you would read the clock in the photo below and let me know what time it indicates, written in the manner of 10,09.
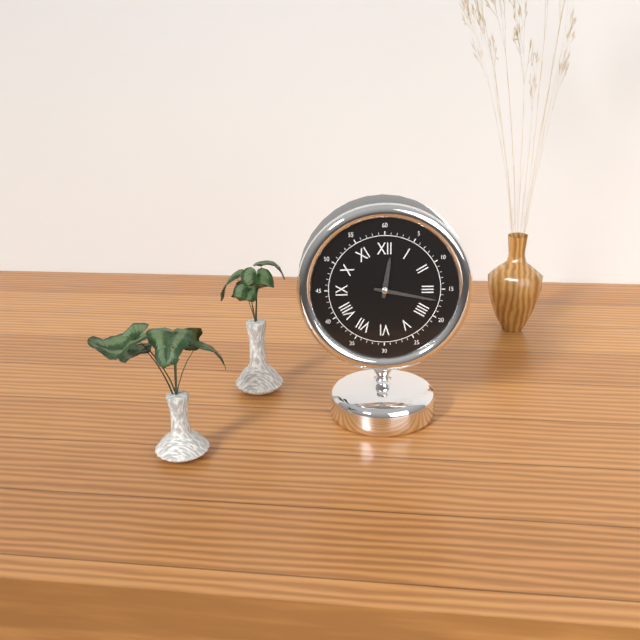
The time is 12,17
